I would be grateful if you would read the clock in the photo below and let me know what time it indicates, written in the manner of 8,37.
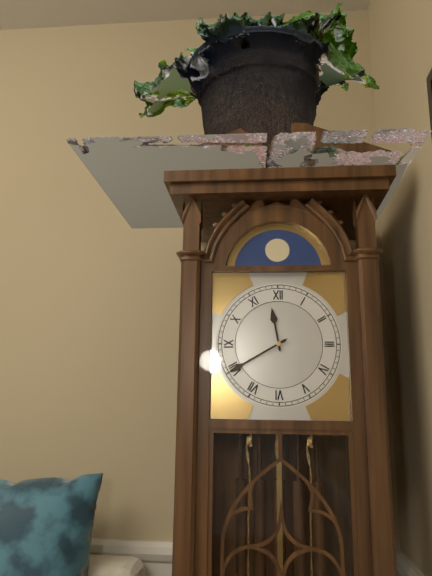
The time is 11,40
